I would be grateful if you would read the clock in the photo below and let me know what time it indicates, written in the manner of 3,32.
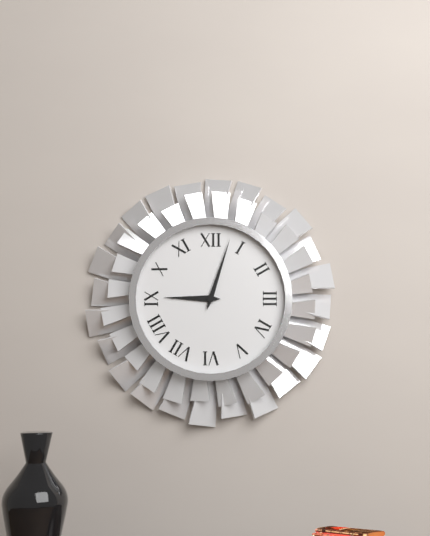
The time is 9,03
